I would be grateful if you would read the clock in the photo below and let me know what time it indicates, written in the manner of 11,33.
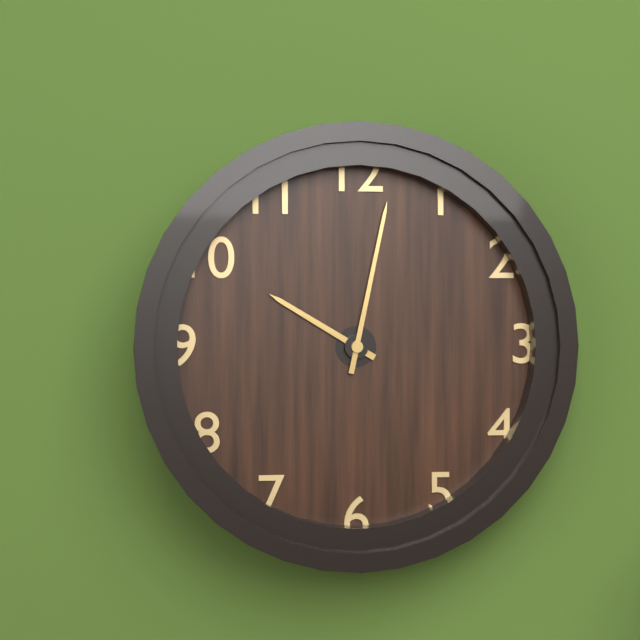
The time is 10,02
